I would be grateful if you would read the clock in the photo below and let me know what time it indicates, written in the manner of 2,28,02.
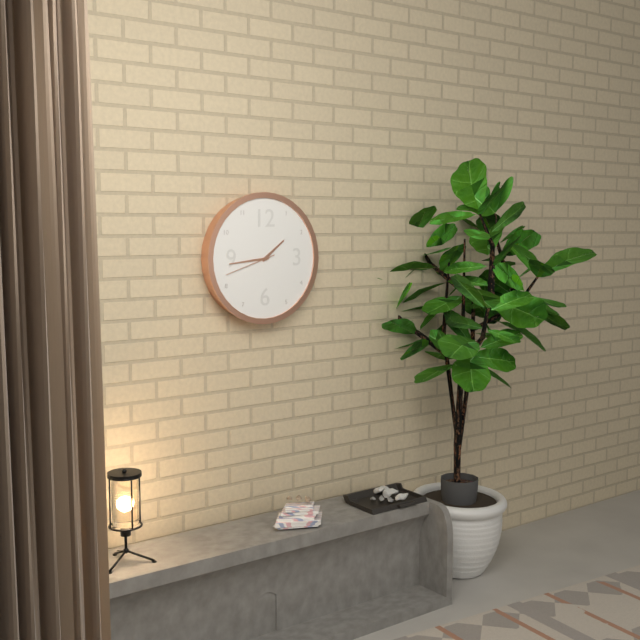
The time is 1,44,42
